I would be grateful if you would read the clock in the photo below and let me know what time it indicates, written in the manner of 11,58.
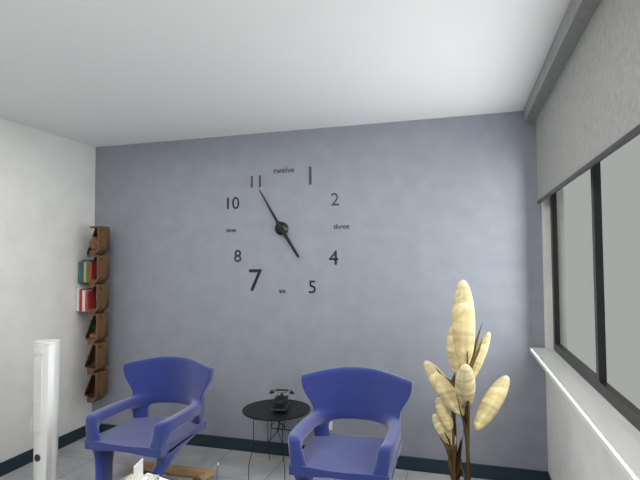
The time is 4,55
